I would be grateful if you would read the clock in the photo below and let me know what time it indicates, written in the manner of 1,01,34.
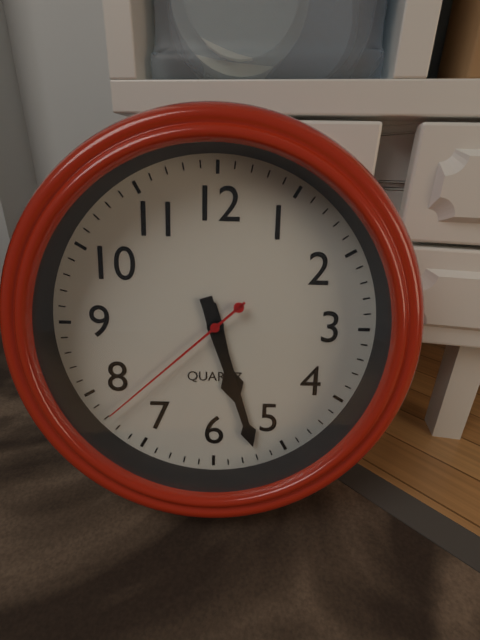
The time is 5,27,38
